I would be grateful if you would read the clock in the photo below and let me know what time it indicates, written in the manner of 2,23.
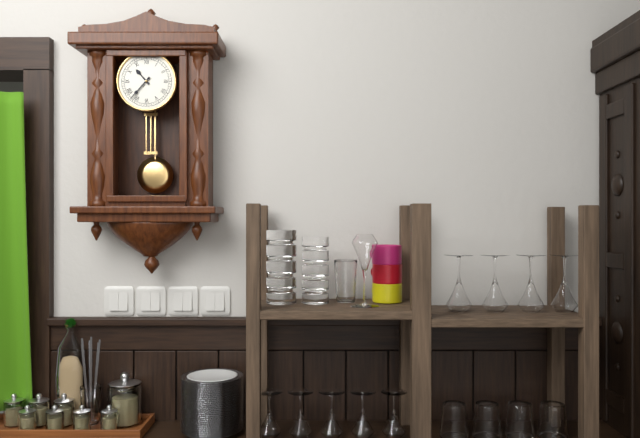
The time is 10,37
